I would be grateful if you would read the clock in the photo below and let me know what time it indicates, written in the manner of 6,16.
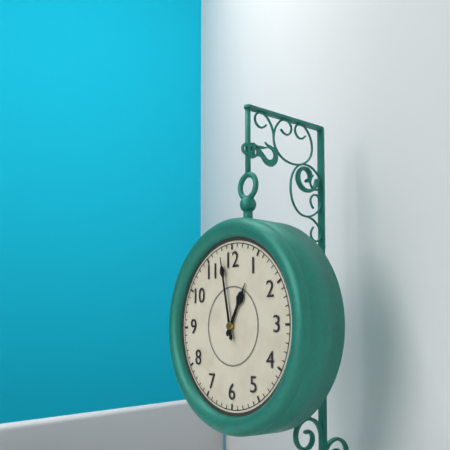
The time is 12,58
